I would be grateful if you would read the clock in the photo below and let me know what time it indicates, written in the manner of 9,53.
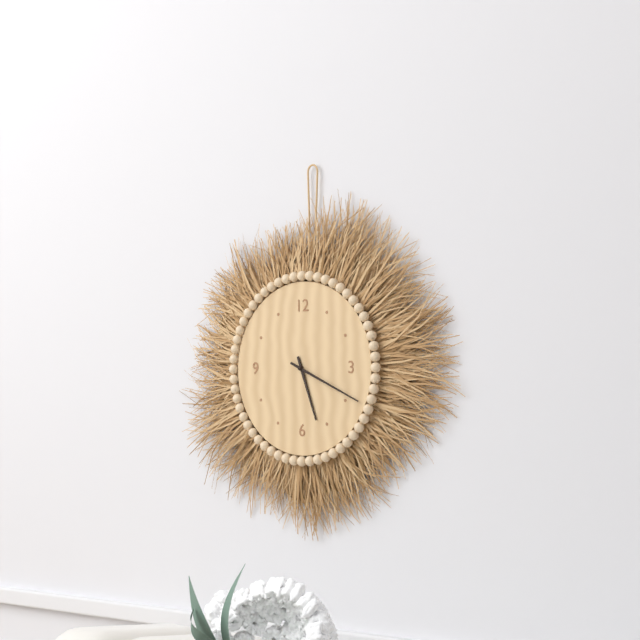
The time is 5,19
